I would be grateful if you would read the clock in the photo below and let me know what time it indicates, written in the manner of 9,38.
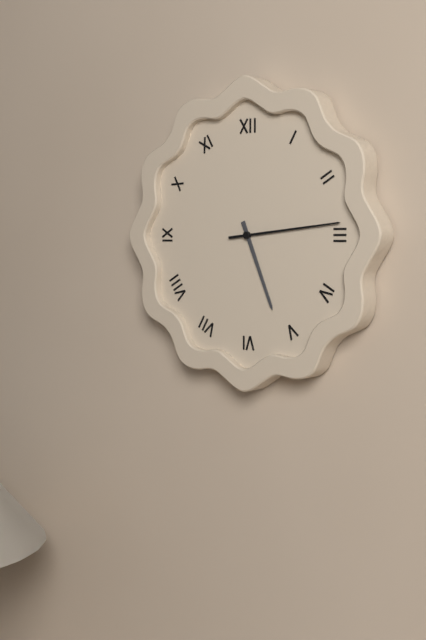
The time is 5,14
